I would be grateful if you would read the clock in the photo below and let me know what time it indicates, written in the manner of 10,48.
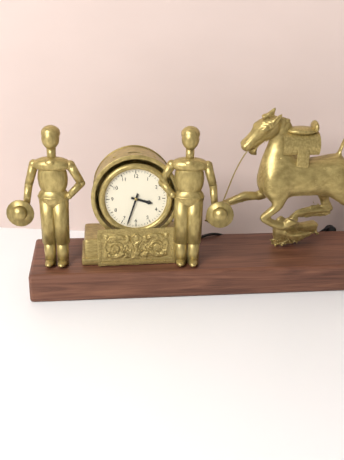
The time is 3,33
